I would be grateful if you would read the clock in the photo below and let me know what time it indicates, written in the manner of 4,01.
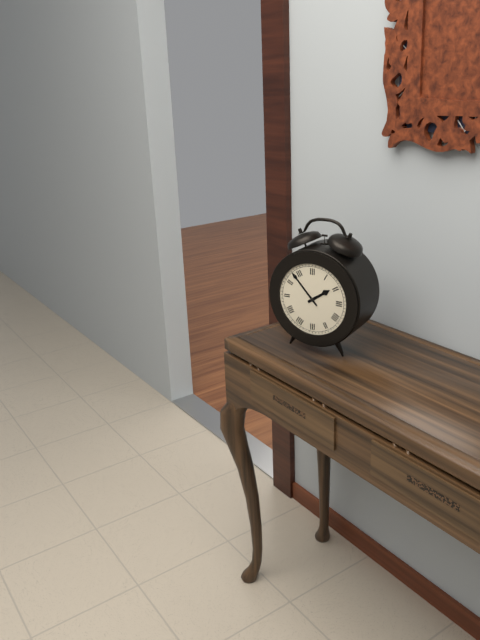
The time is 1,53
